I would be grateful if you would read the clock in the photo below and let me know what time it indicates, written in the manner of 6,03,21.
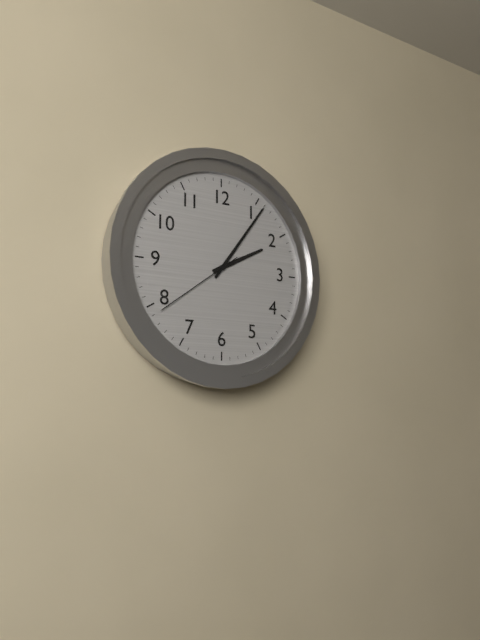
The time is 2,06,39
